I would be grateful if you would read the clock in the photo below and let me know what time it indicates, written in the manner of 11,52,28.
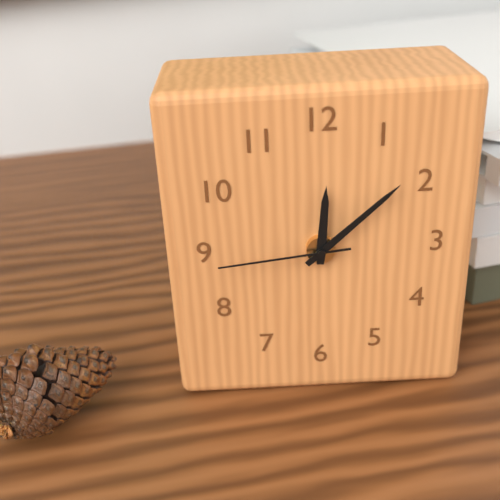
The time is 12,08,44
